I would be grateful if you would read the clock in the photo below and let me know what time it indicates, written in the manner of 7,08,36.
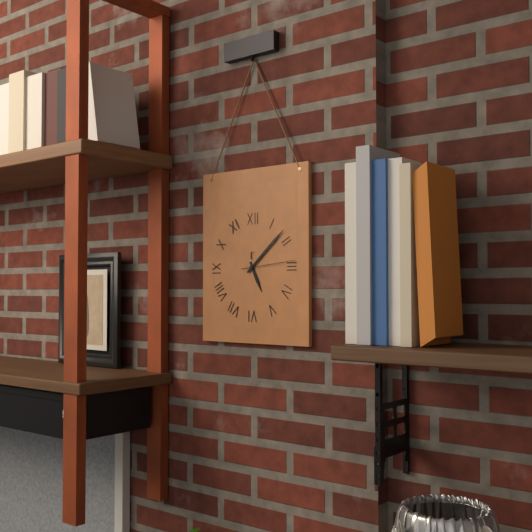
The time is 5,08,14
